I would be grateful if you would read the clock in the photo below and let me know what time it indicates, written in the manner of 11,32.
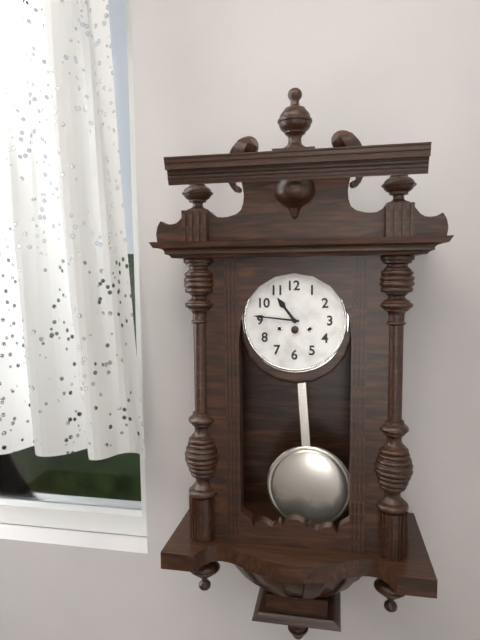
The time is 10,46
